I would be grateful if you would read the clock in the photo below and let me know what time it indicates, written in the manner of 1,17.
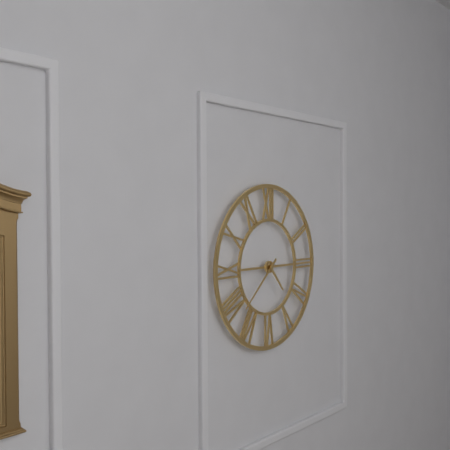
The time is 4,38
